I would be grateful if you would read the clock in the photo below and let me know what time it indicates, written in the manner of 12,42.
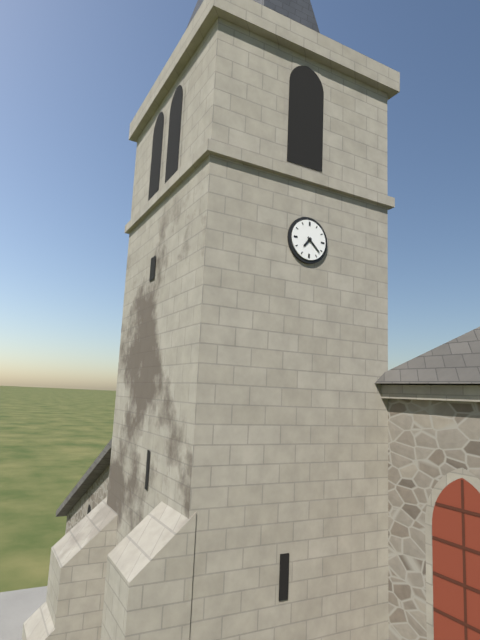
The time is 7,22
